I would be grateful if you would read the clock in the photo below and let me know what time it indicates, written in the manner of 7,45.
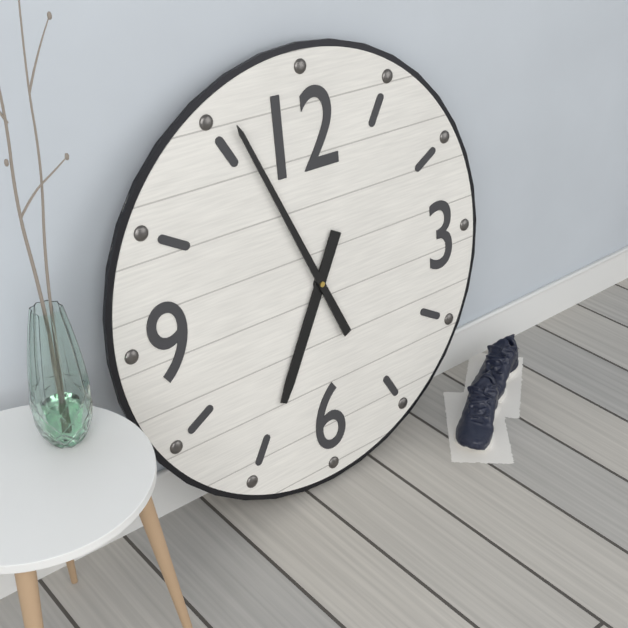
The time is 6,56
